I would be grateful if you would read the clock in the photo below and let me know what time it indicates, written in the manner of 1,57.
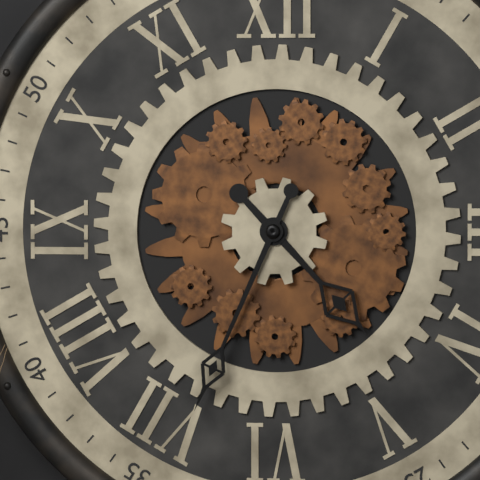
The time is 4,34
